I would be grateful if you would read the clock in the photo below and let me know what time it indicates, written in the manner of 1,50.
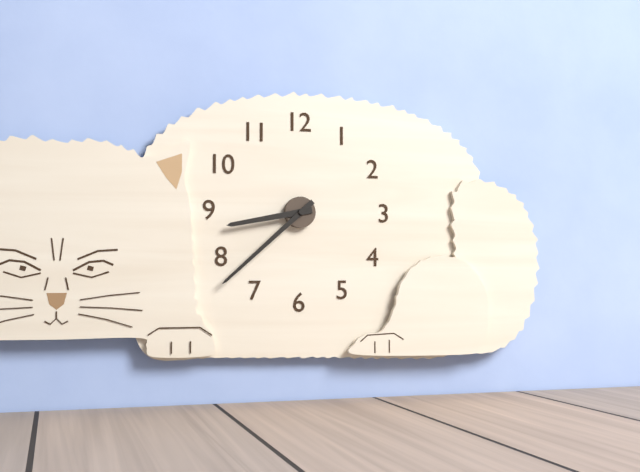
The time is 8,38
